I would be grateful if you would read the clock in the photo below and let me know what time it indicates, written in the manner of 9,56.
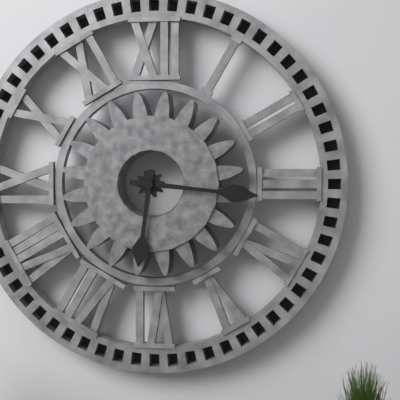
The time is 6,16
